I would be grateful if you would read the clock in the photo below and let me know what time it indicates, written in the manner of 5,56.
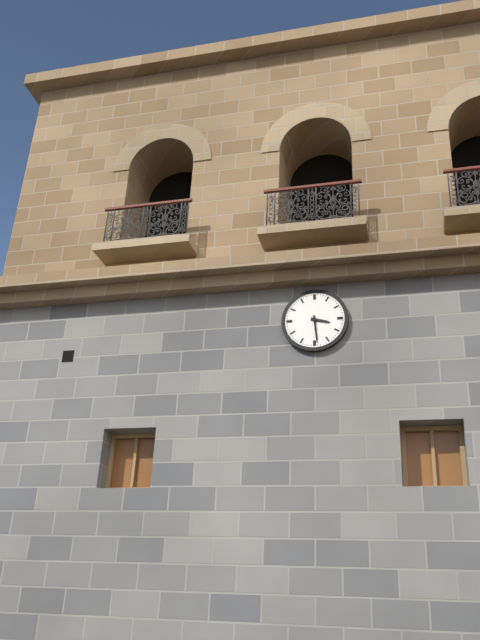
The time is 3,29
